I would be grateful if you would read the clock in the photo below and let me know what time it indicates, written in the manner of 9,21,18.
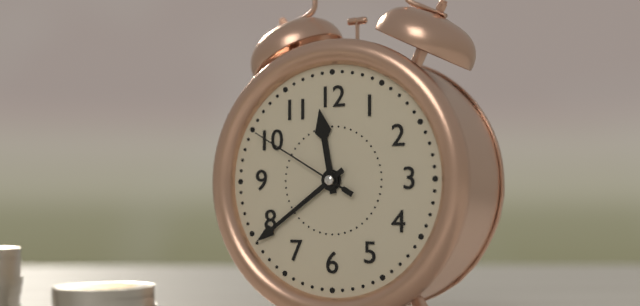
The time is 11,39,50
